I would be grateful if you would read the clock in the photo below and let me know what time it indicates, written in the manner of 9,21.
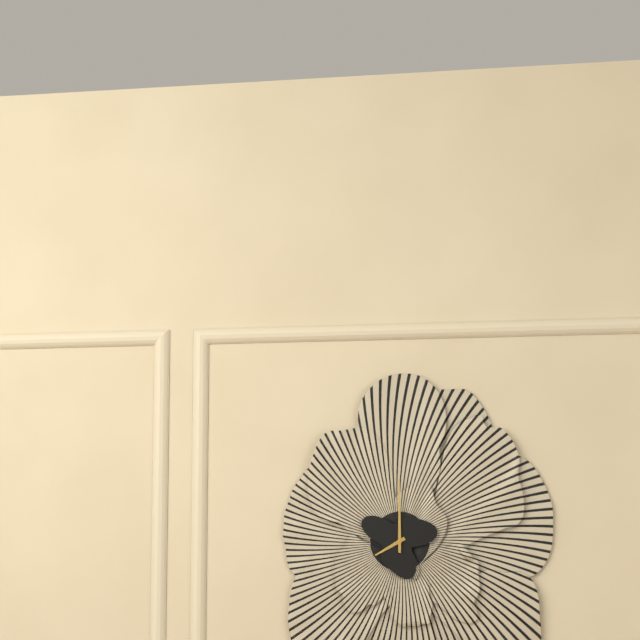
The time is 8,00
